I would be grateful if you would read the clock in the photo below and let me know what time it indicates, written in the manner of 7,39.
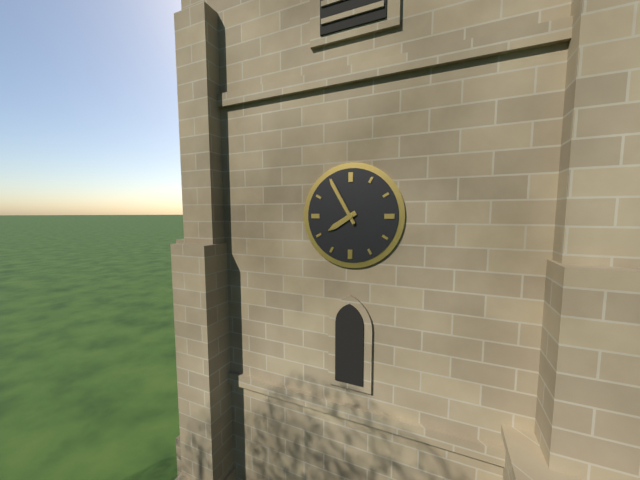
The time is 7,55
